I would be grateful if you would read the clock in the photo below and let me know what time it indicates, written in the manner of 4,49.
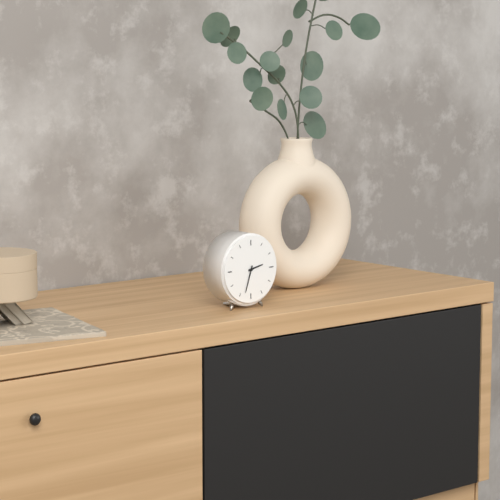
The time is 2,33
